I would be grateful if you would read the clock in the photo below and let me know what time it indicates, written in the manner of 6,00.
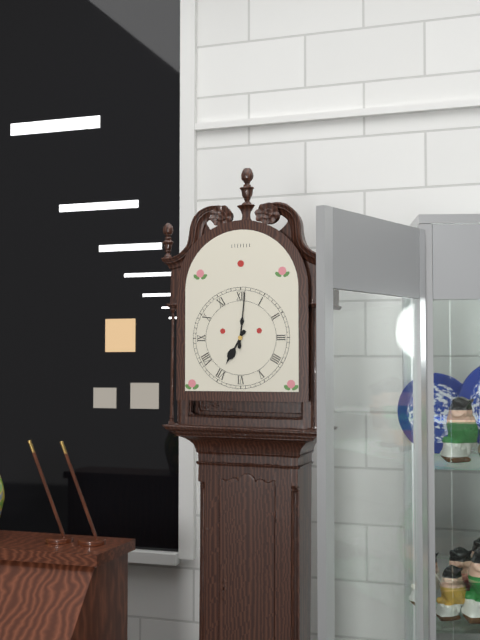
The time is 7,01
